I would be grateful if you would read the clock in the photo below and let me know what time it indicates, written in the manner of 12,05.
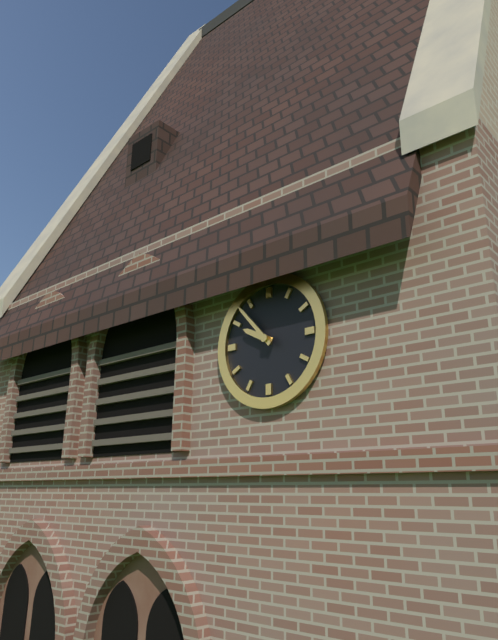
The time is 9,53
